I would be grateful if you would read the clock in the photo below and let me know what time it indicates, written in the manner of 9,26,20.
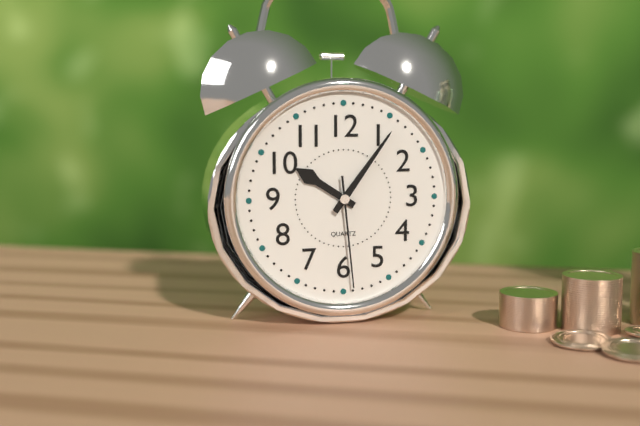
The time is 10,06,29
